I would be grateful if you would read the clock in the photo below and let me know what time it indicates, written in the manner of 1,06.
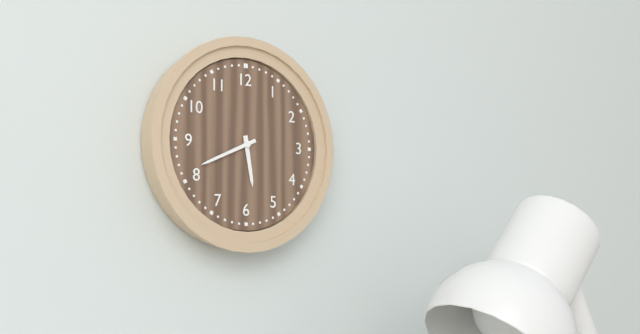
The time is 5,41
